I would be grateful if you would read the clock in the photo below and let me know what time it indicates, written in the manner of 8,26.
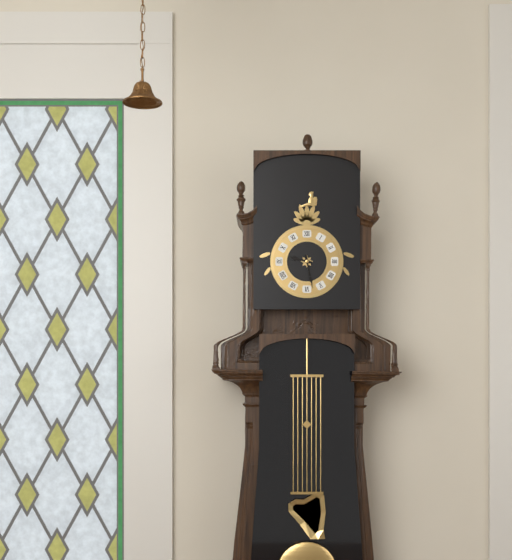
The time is 9,28
